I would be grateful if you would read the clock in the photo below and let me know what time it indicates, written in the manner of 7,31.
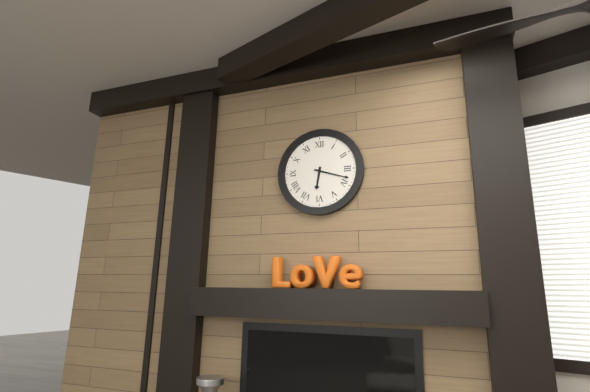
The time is 6,18
